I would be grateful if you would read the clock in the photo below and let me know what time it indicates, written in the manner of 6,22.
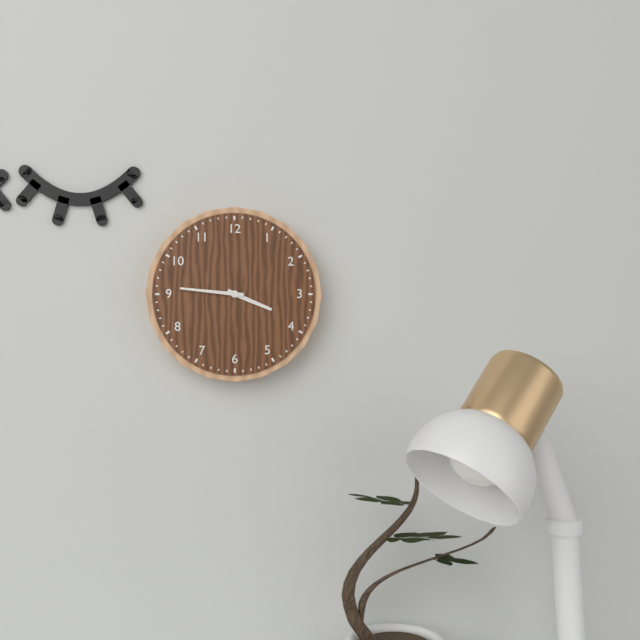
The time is 3,46
